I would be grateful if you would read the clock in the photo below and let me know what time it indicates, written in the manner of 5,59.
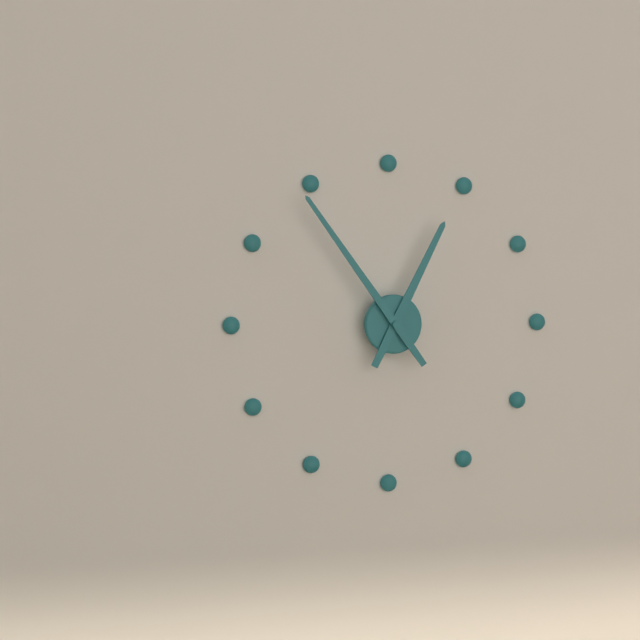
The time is 12,54
